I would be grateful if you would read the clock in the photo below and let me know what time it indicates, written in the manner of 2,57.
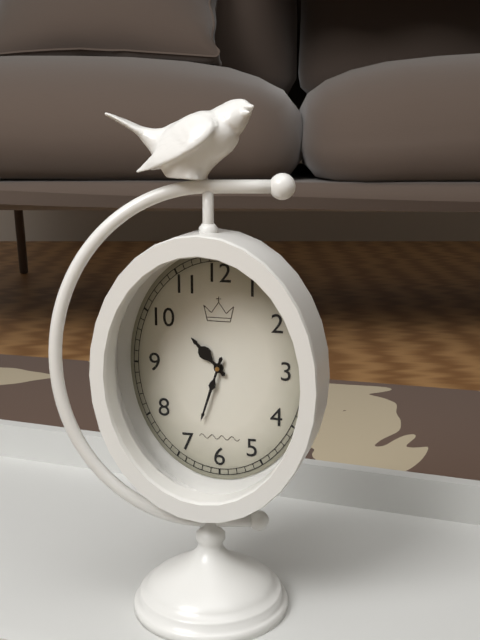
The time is 10,33
